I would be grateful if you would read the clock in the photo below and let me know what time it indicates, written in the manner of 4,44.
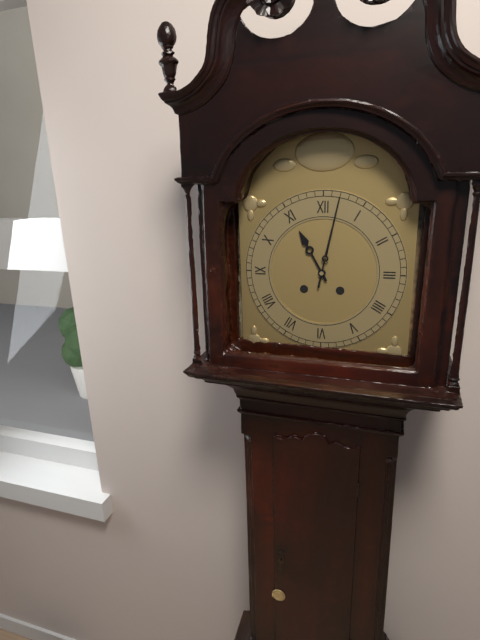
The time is 11,02
